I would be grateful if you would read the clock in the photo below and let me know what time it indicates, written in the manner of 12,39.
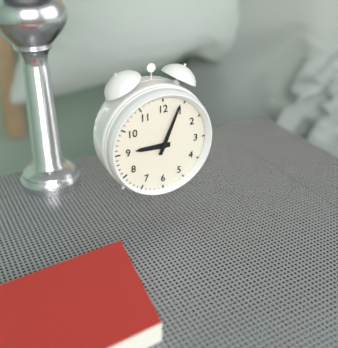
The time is 9,04
